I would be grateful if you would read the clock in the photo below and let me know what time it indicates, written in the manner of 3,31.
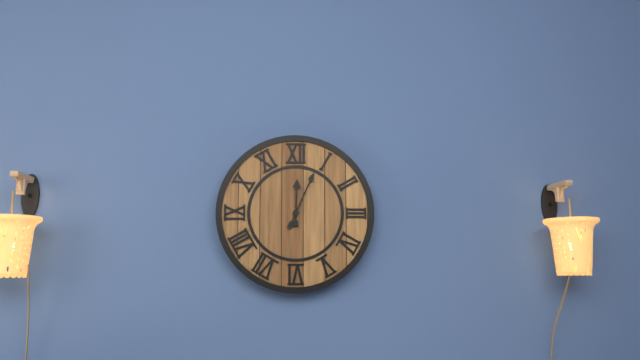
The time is 12,04
